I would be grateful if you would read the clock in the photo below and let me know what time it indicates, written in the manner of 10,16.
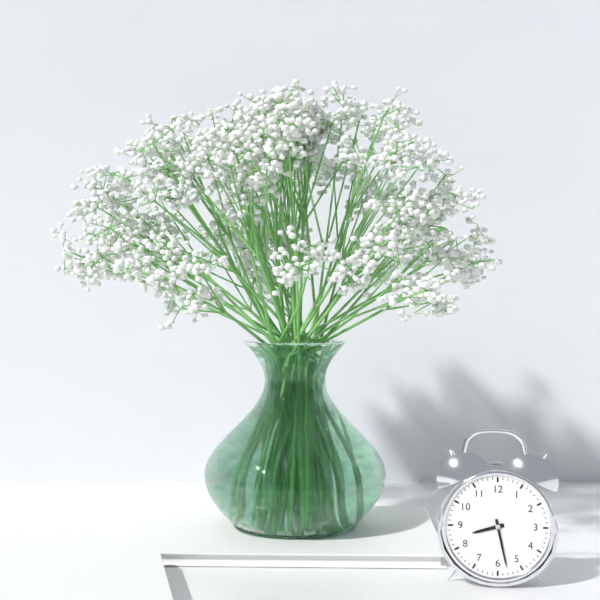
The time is 8,28
